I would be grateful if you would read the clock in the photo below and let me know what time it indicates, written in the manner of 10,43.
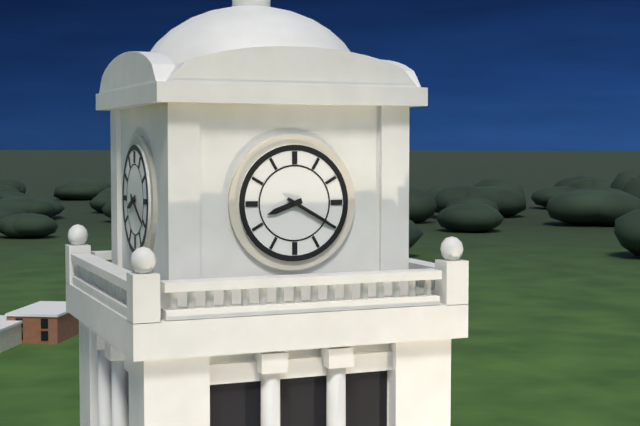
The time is 8,20
